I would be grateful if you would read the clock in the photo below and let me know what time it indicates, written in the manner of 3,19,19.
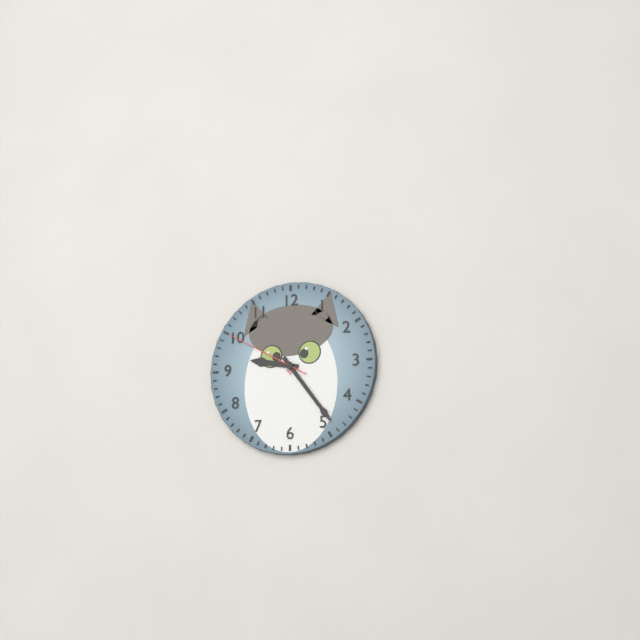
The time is 9,24,50
